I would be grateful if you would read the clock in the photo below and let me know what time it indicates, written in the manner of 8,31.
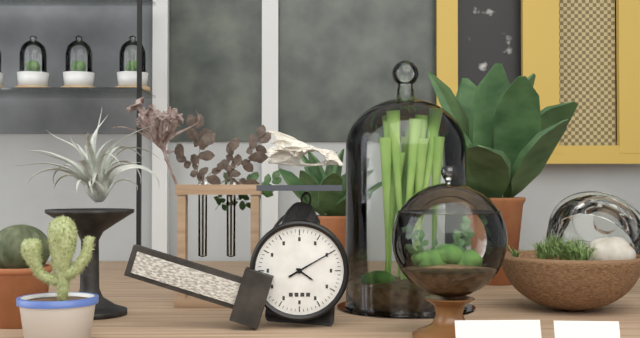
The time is 4,10
